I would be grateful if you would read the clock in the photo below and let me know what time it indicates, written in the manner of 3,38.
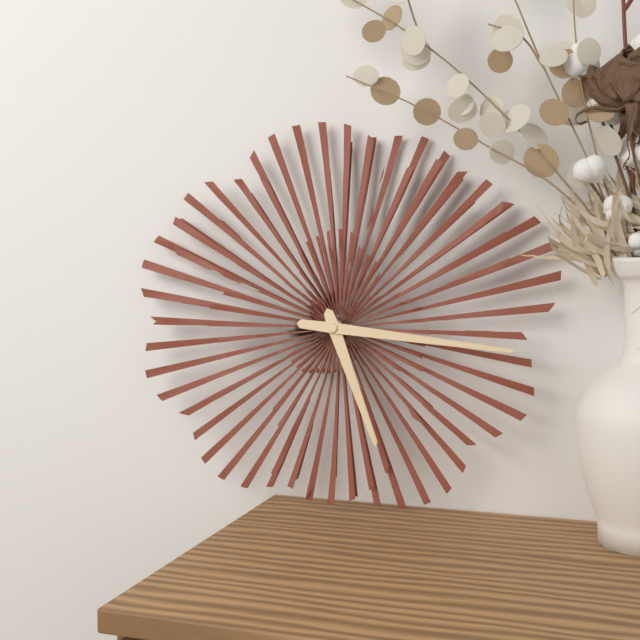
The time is 5,16
